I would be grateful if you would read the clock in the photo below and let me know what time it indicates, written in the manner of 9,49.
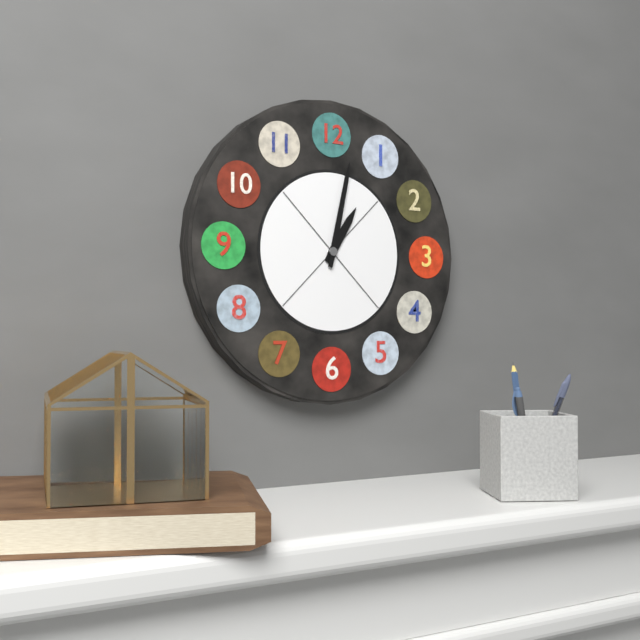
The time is 1,02
